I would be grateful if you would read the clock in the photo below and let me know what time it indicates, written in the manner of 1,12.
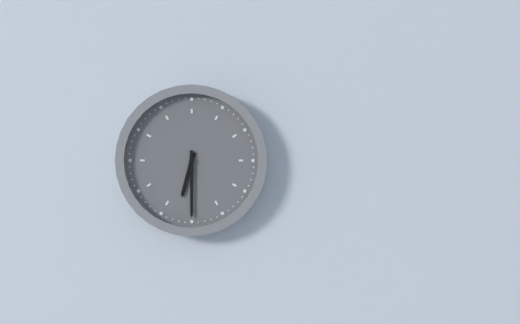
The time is 6,30
